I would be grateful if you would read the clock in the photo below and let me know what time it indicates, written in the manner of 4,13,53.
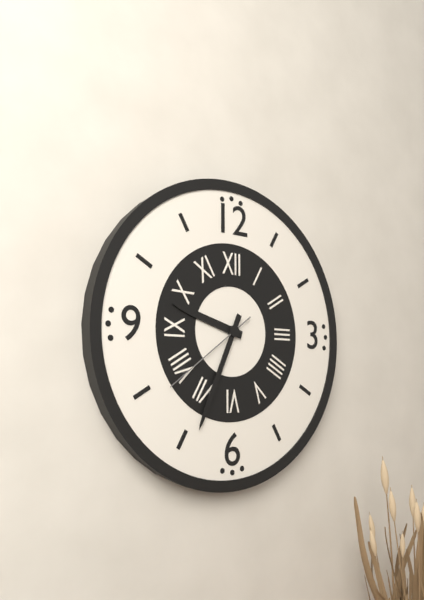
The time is 9,34,39
